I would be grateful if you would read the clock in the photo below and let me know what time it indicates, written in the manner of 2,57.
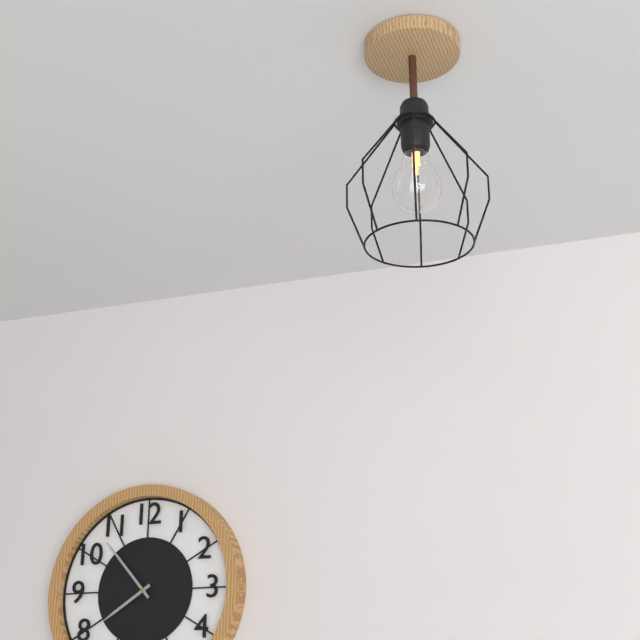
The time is 7,53
